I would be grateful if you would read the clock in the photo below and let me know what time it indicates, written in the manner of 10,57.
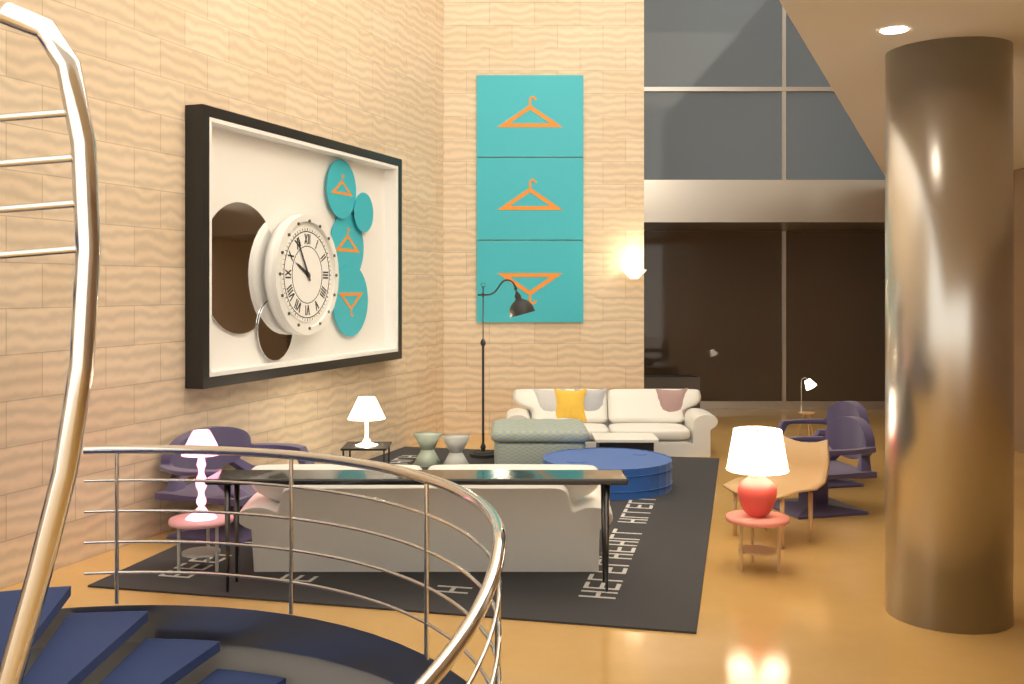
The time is 9,55
